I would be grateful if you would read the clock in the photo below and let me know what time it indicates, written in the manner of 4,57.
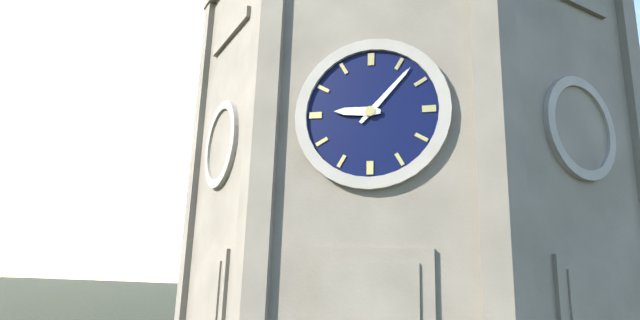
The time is 9,07
